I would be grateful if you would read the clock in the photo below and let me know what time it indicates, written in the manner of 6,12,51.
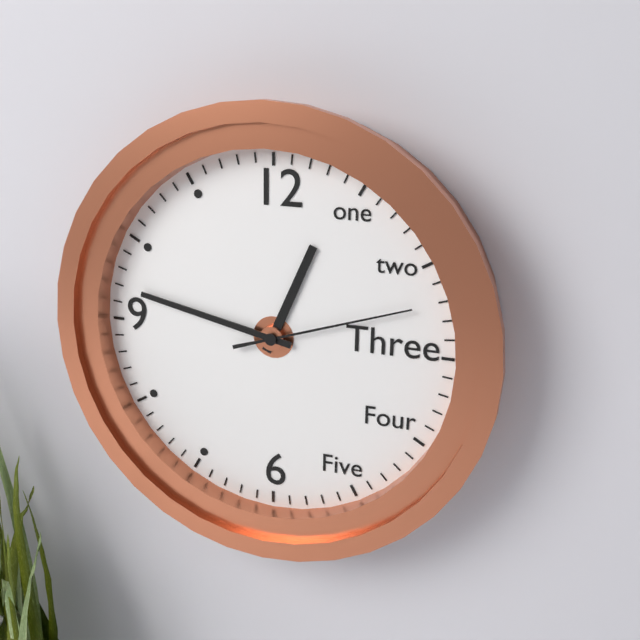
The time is 12,47,12
